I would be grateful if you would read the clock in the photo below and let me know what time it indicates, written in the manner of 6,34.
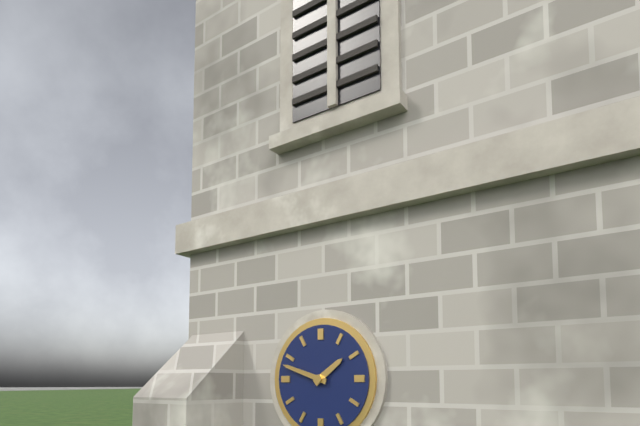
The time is 1,48
